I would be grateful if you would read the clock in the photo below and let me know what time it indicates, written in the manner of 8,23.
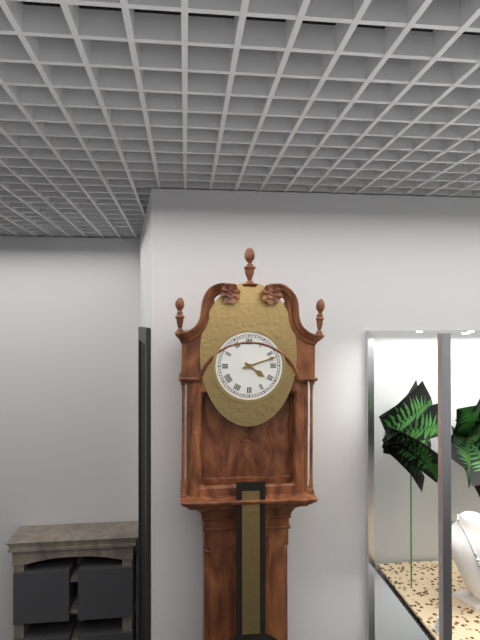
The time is 4,12
